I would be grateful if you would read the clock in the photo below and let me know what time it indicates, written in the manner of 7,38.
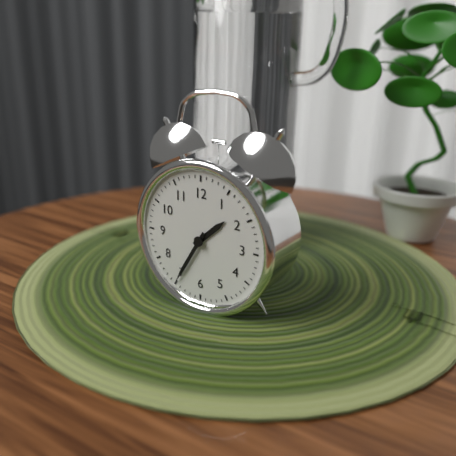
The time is 1,35
